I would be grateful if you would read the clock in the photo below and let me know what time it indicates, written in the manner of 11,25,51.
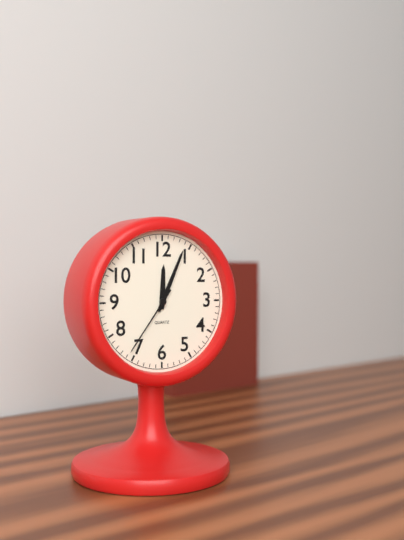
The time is 12,04,36
